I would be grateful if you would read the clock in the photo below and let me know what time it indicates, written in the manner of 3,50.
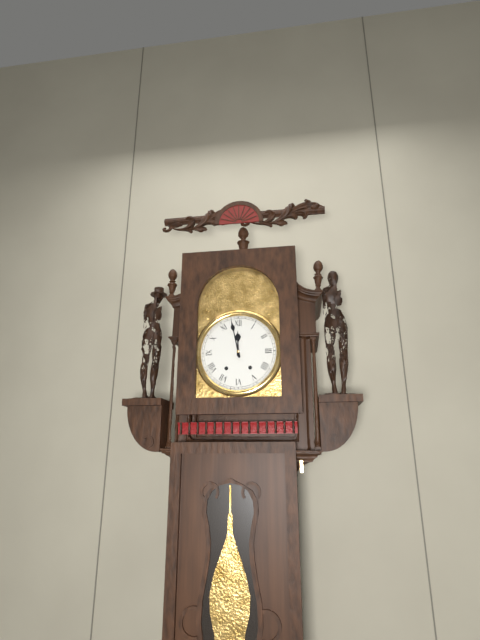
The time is 11,58
